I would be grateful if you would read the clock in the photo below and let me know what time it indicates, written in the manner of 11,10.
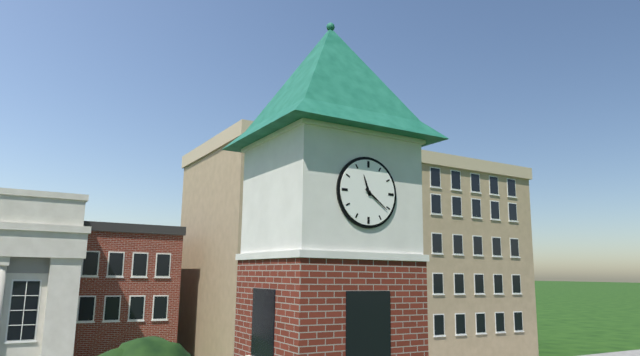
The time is 11,21
